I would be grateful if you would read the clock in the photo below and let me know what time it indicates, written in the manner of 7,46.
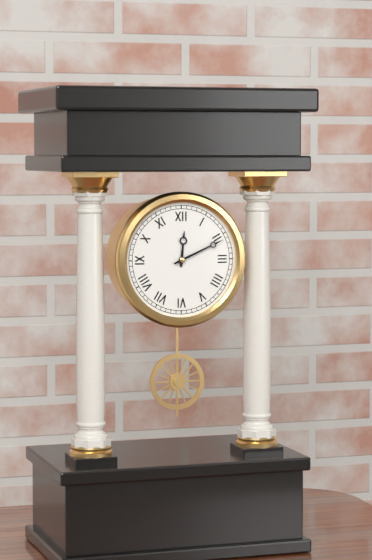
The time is 12,11
